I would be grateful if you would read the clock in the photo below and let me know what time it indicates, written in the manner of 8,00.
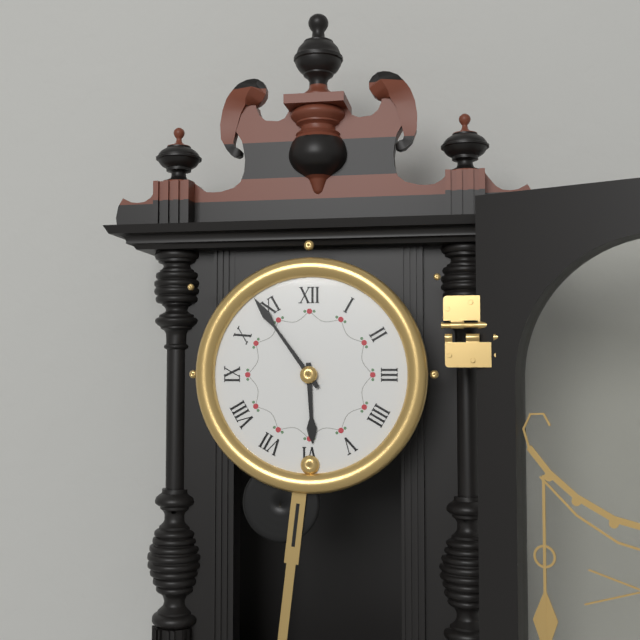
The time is 5,54
